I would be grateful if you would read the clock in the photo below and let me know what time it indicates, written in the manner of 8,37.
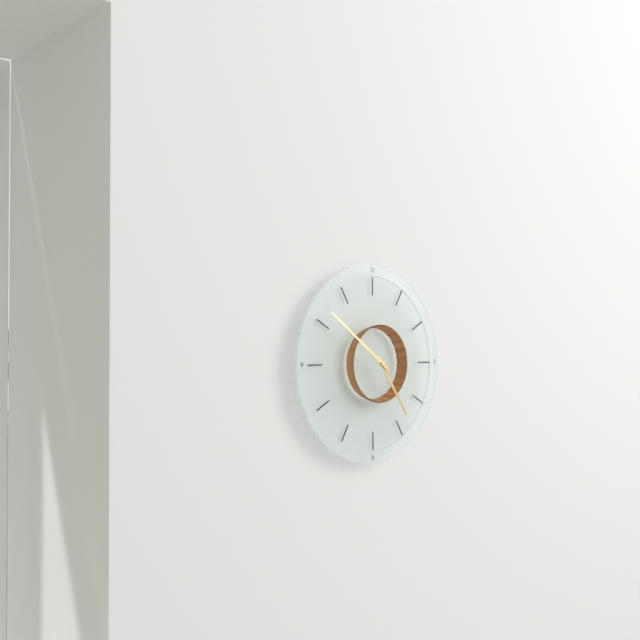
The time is 4,51
